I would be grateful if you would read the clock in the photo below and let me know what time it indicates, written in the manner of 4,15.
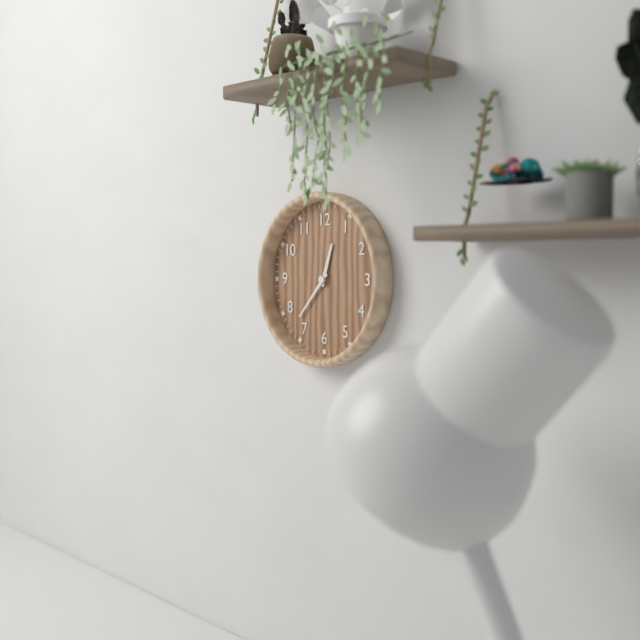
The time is 12,37
